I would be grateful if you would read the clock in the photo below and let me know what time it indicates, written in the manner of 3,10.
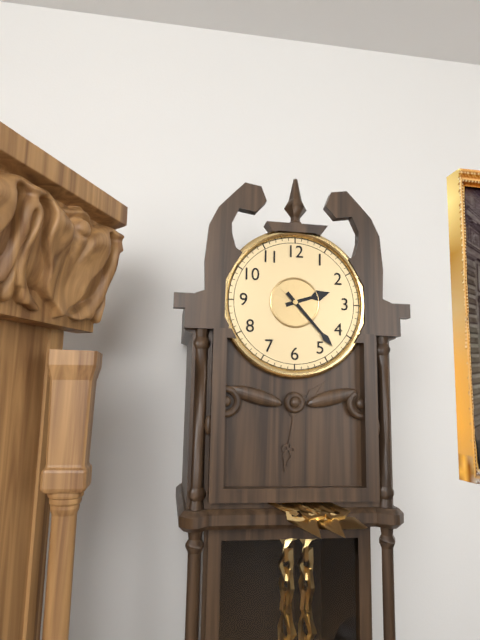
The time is 2,23
